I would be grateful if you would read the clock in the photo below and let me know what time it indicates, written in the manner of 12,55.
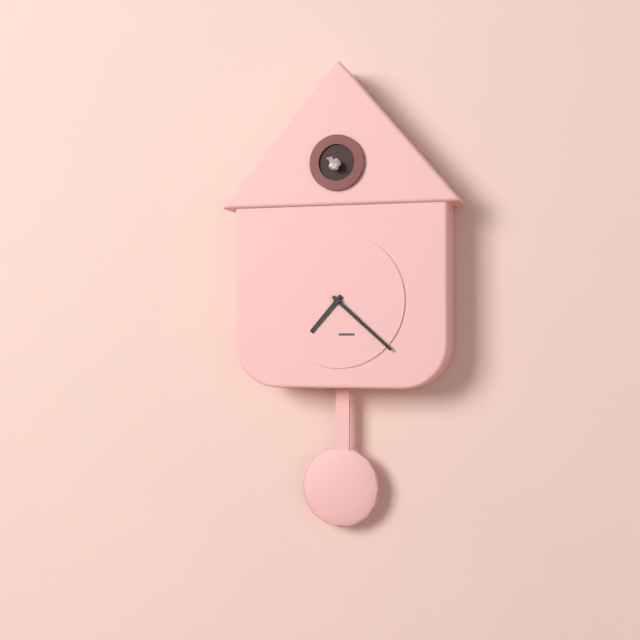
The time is 7,22
